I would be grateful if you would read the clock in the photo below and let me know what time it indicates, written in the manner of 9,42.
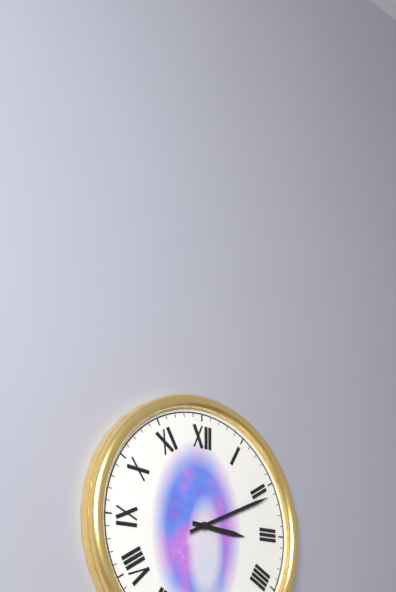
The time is 3,11
